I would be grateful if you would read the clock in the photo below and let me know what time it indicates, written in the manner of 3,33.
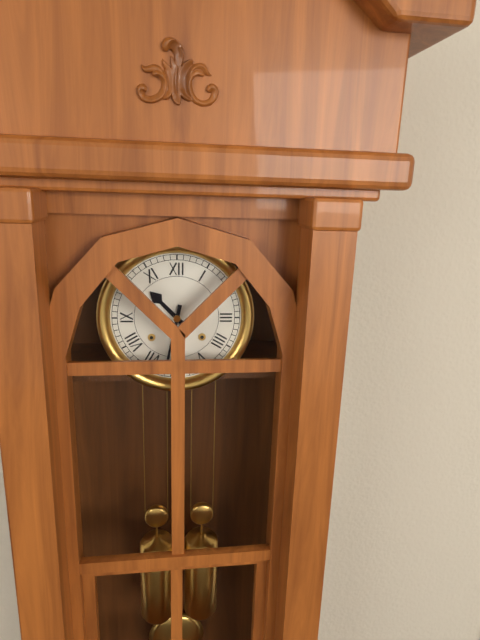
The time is 10,32
